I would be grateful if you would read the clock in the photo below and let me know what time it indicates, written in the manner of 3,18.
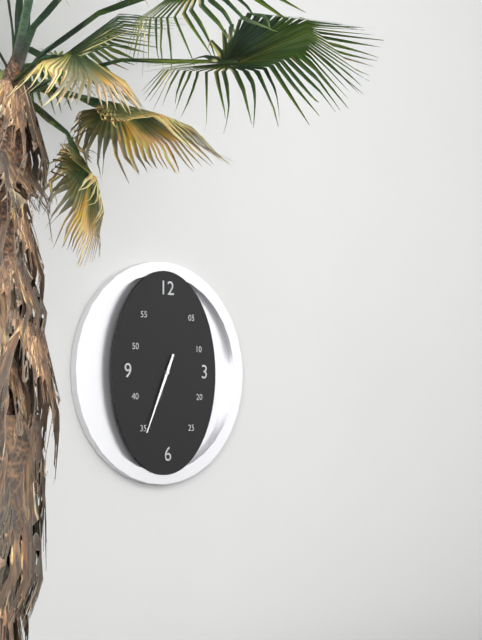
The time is 6,34
